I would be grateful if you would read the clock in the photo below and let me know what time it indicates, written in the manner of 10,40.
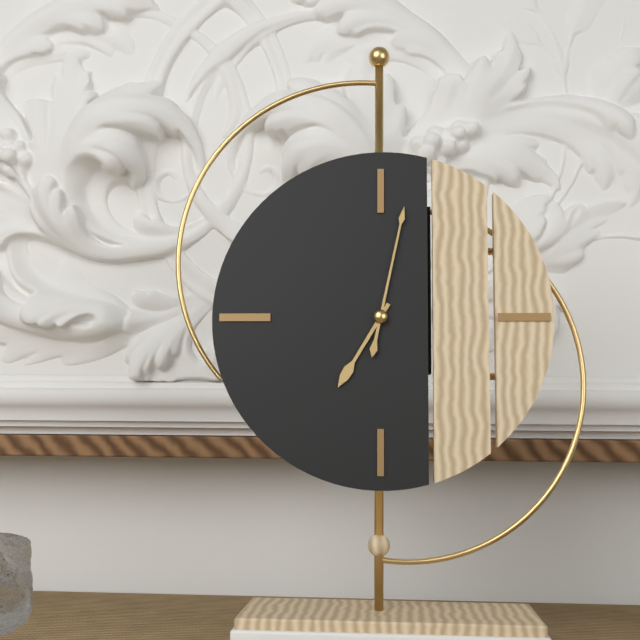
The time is 7,02
